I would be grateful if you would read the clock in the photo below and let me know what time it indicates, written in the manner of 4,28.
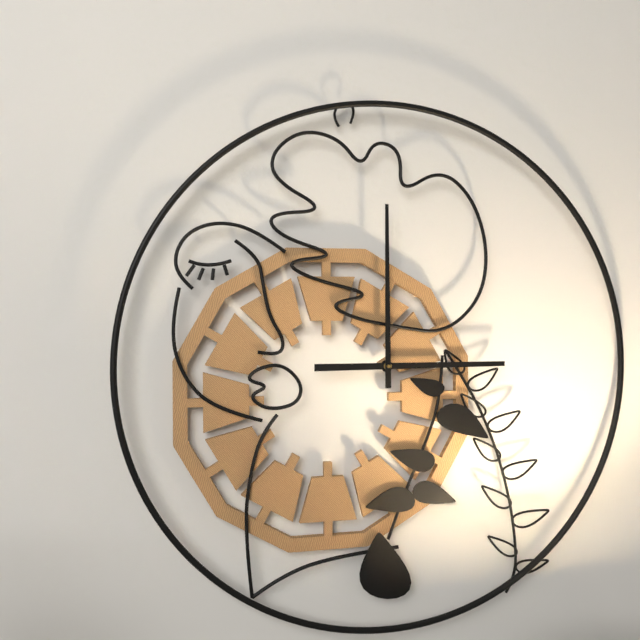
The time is 3,00
